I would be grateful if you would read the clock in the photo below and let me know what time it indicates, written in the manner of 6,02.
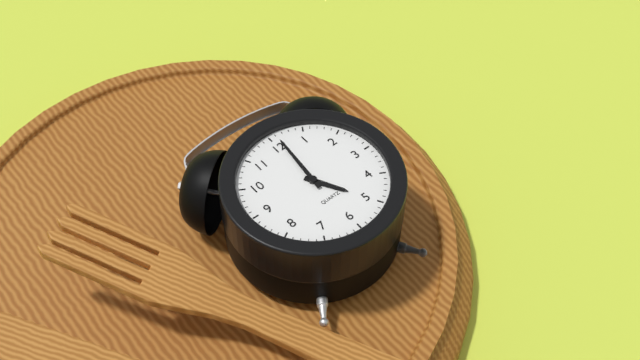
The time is 5,01
